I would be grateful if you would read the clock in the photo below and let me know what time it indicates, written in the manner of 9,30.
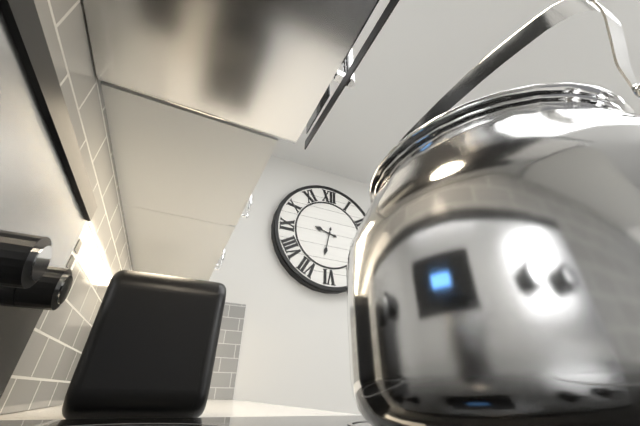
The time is 9,32
